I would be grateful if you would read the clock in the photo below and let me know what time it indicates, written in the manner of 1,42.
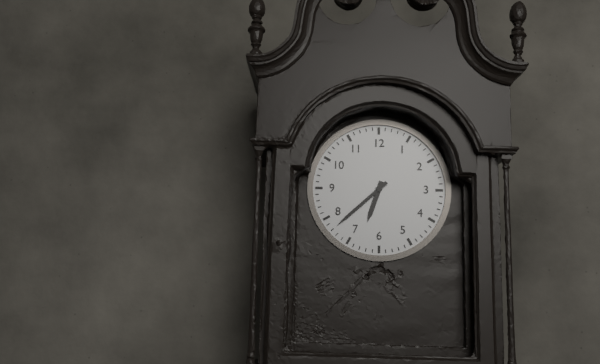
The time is 6,38
